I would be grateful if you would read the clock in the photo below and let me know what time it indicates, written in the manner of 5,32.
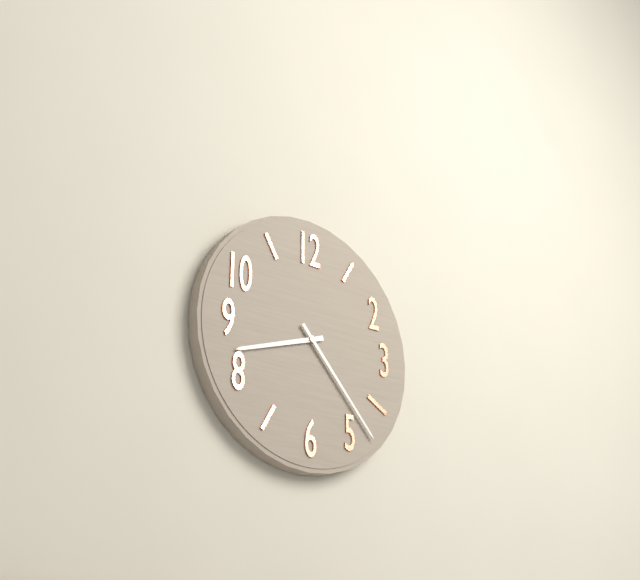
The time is 8,23
